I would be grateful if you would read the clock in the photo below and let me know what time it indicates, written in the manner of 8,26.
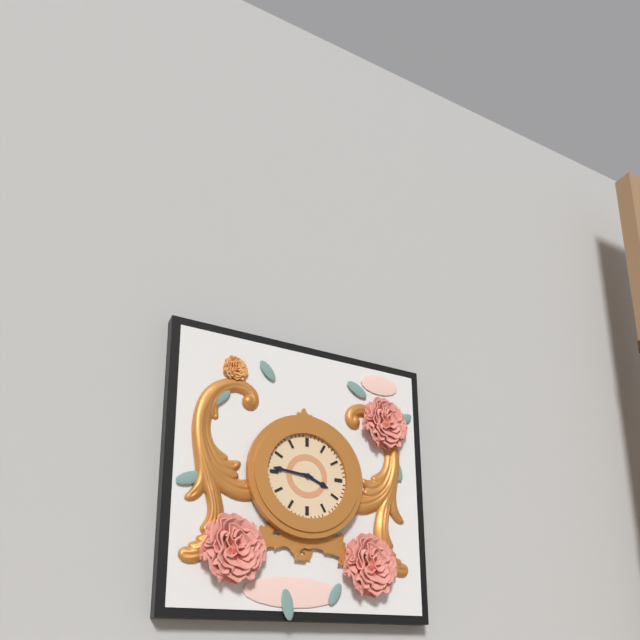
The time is 3,46
